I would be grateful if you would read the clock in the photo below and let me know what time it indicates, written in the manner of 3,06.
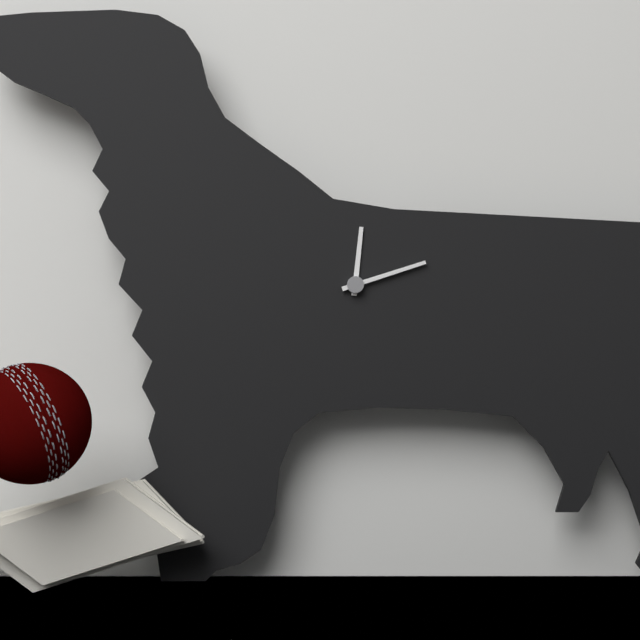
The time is 12,12
